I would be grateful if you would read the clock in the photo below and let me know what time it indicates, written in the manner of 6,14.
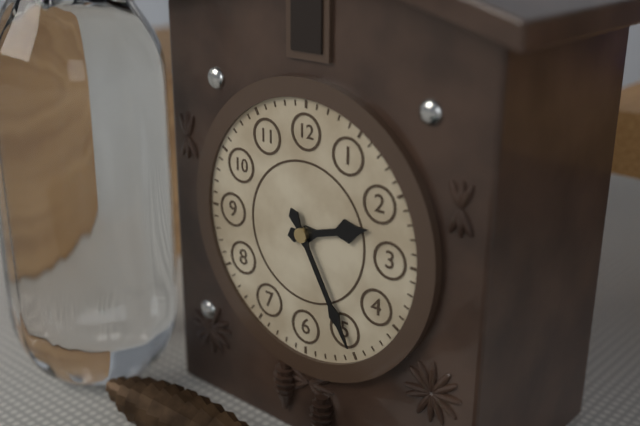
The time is 2,25
